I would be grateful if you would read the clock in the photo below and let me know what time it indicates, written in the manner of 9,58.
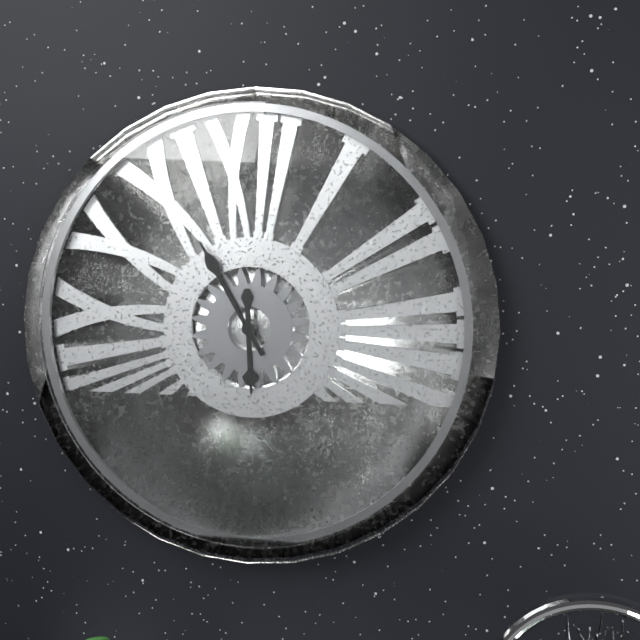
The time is 5,55
